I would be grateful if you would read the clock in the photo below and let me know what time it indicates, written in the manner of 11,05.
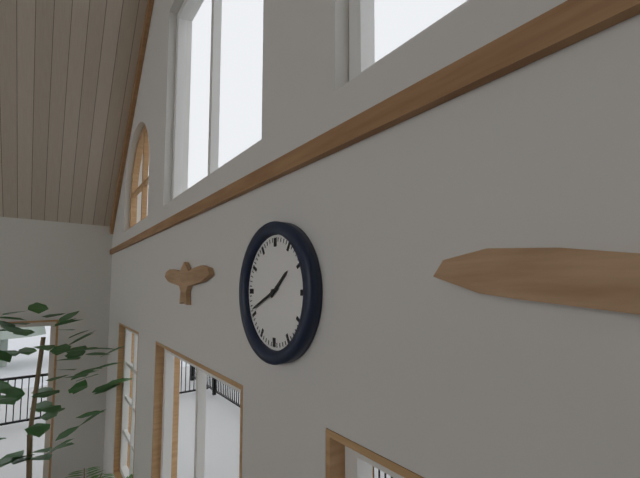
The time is 1,41
